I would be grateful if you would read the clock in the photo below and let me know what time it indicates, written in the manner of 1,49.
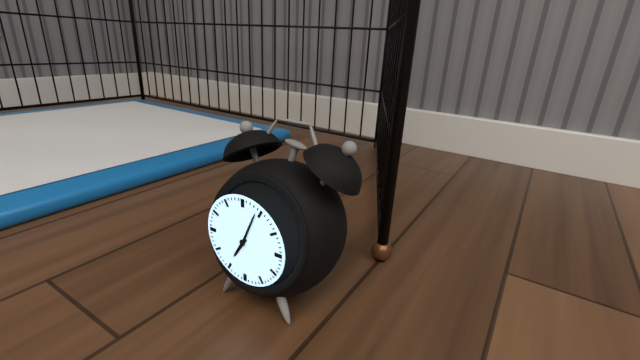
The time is 7,04
